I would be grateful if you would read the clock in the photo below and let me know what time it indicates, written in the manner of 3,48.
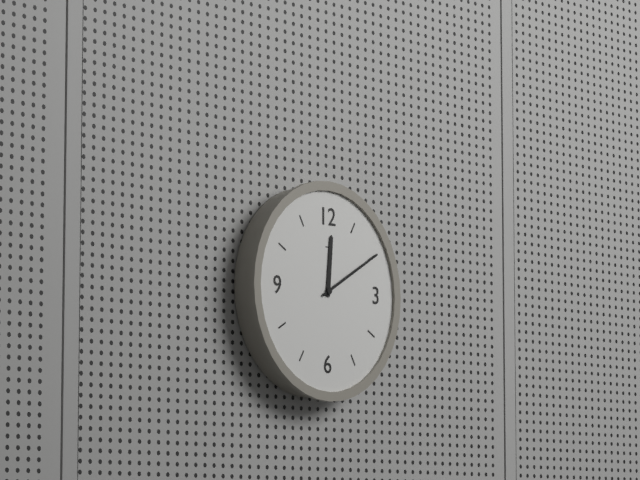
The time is 12,10
